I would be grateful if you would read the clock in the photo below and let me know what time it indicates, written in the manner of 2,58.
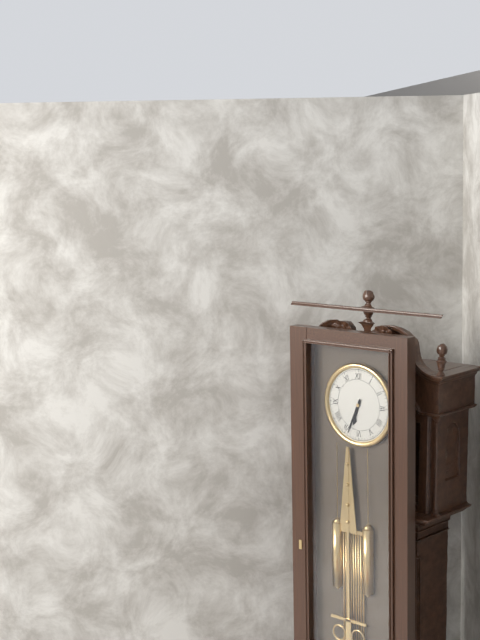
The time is 6,34
